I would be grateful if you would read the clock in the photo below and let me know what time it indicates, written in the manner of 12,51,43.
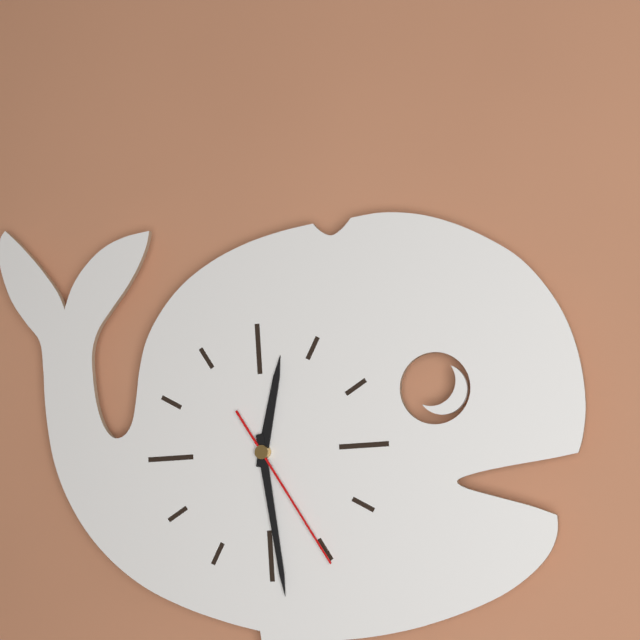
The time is 12,29,25
